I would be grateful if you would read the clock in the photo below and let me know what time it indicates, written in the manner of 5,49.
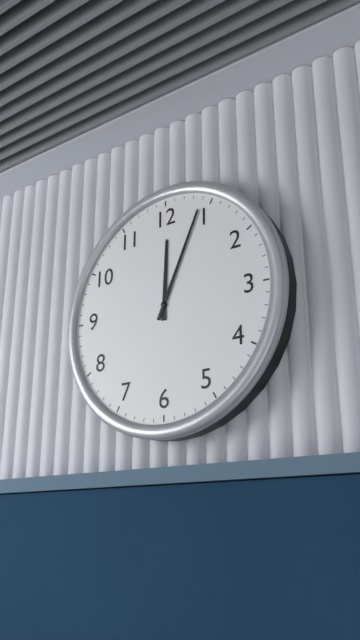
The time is 12,04
